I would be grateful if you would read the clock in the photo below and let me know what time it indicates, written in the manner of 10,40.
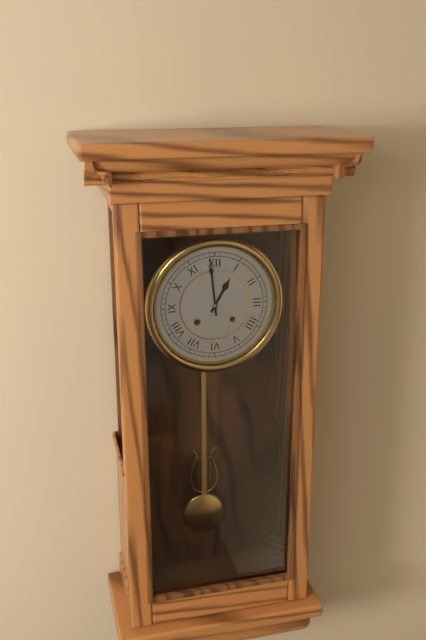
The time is 12,59
